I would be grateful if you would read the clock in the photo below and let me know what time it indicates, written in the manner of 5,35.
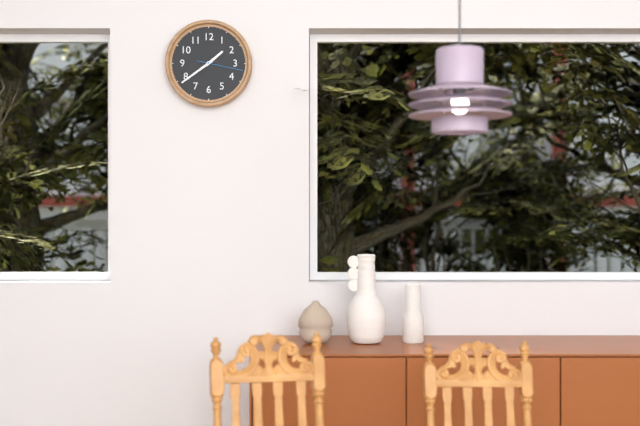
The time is 1,39
